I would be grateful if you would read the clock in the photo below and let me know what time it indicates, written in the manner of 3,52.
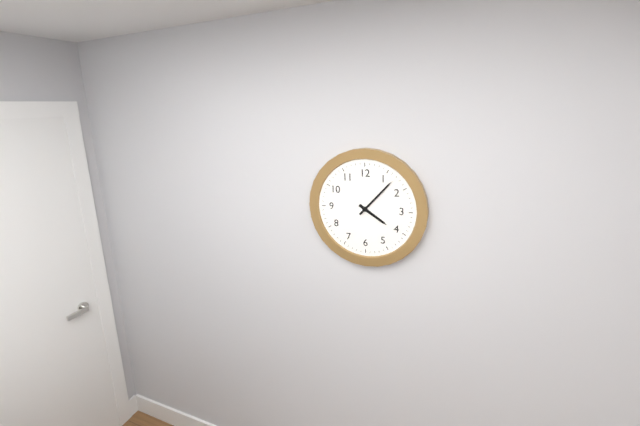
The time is 4,07
